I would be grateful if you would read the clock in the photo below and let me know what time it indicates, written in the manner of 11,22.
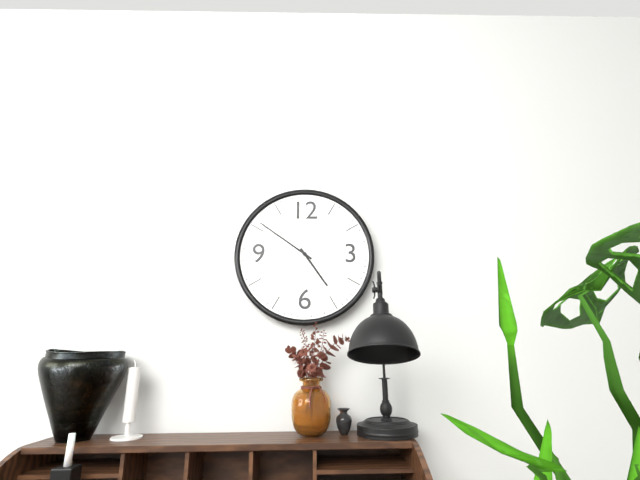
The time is 4,51
